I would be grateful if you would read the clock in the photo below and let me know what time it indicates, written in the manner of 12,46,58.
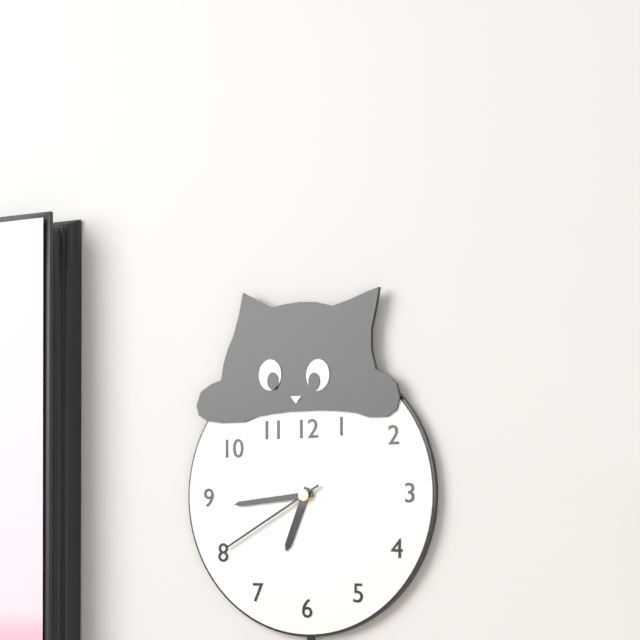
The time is 6,44,40
